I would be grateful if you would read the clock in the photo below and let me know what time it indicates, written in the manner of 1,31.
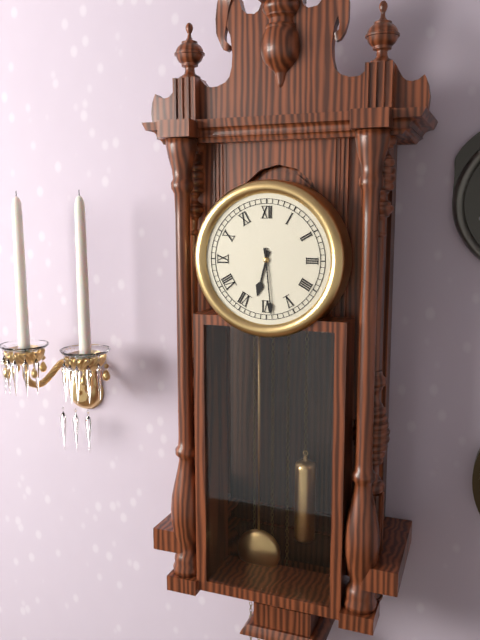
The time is 6,29
